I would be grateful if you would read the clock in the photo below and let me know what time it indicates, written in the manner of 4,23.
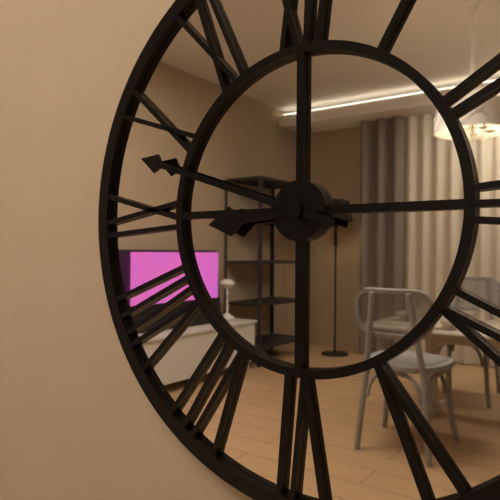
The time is 8,48
